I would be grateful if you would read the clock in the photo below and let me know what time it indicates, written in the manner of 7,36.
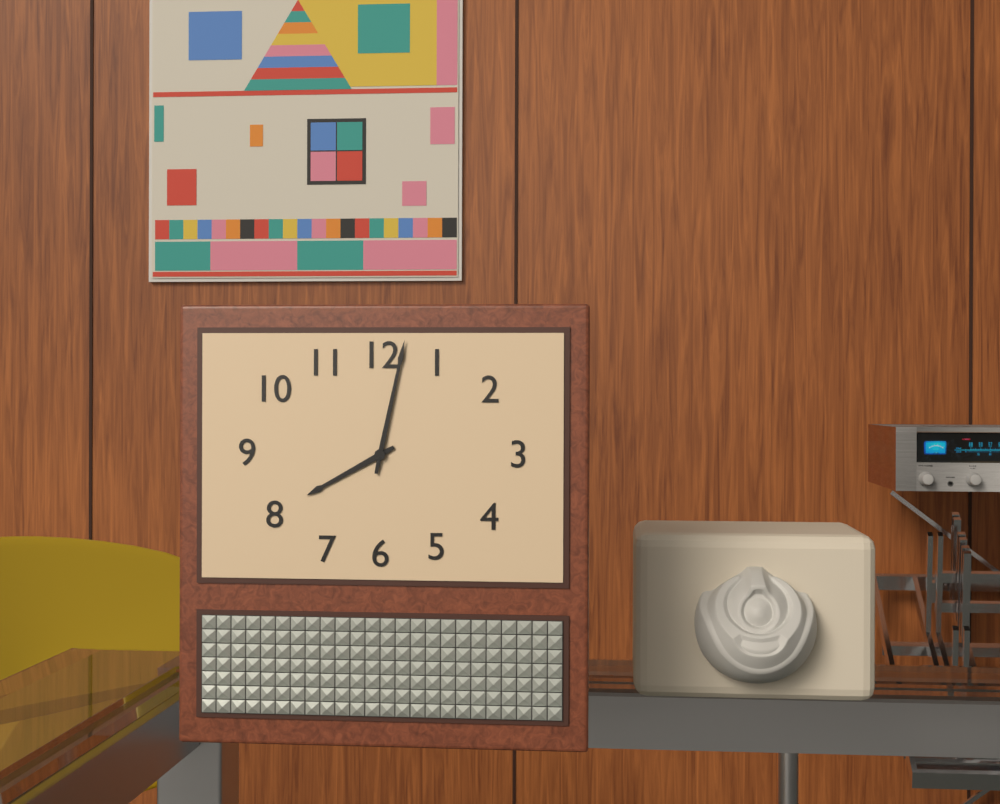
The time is 8,02
